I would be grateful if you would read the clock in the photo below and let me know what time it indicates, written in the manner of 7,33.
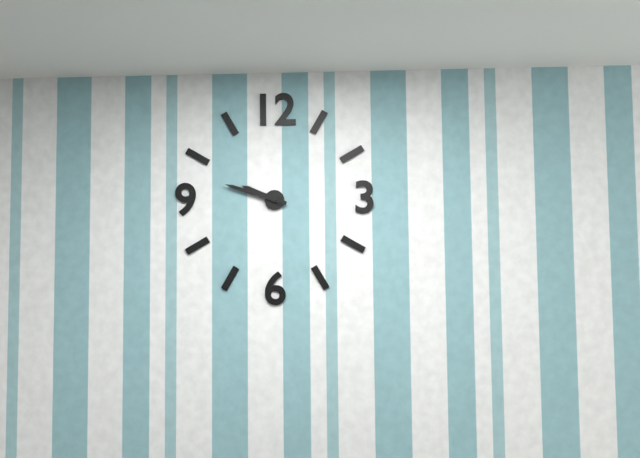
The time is 9,48
